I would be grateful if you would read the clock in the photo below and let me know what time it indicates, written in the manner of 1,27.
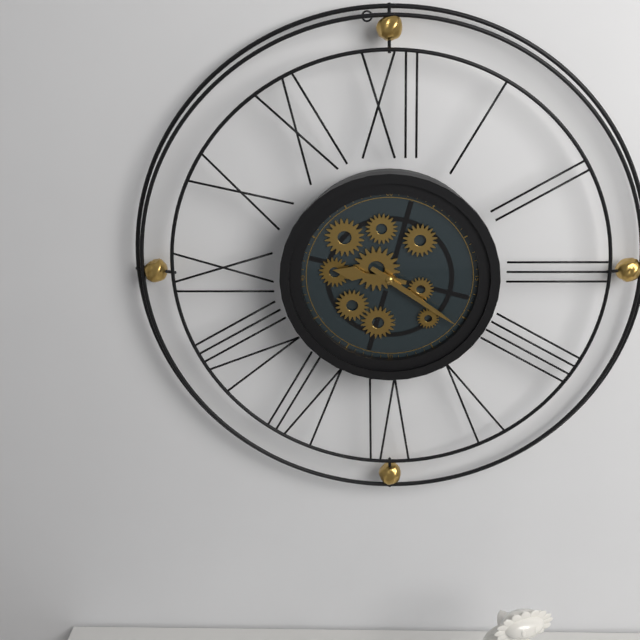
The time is 9,21
